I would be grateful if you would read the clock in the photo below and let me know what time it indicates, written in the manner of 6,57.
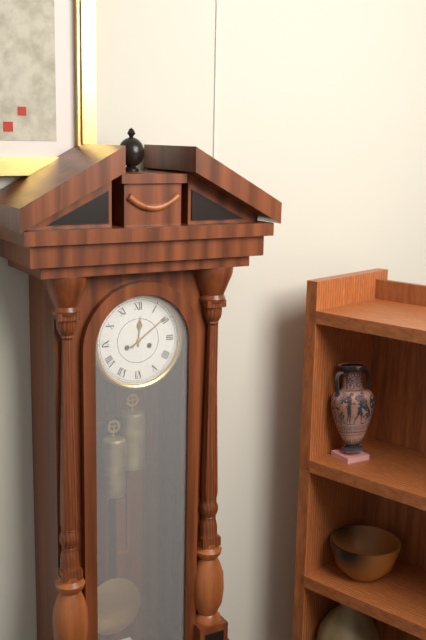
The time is 12,09
